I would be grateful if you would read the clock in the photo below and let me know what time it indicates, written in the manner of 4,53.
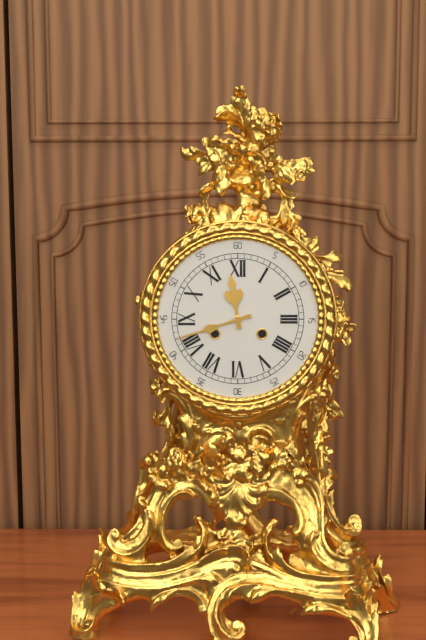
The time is 11,42
